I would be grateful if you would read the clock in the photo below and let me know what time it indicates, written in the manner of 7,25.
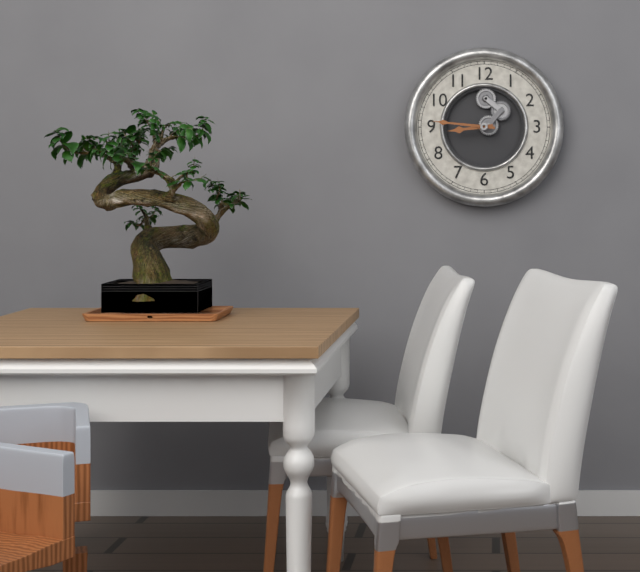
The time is 8,46
